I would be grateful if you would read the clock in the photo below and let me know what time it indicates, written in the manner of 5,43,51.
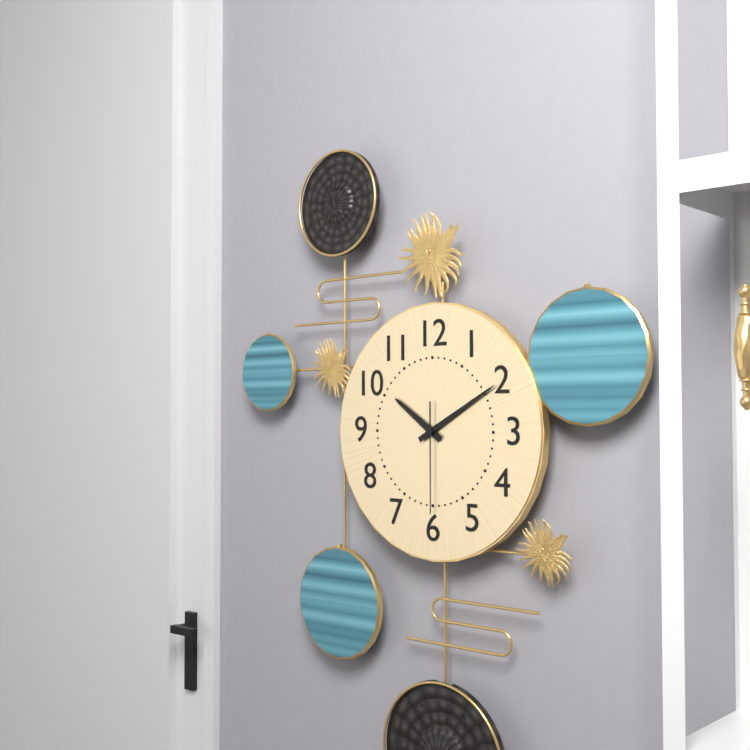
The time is 10,10,30
